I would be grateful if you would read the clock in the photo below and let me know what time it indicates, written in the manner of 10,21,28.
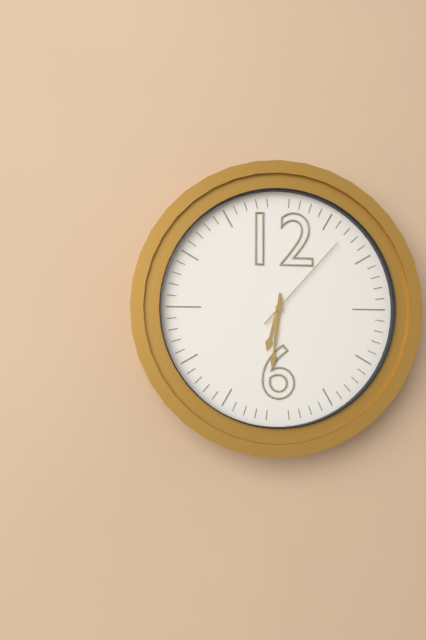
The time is 6,31,07
